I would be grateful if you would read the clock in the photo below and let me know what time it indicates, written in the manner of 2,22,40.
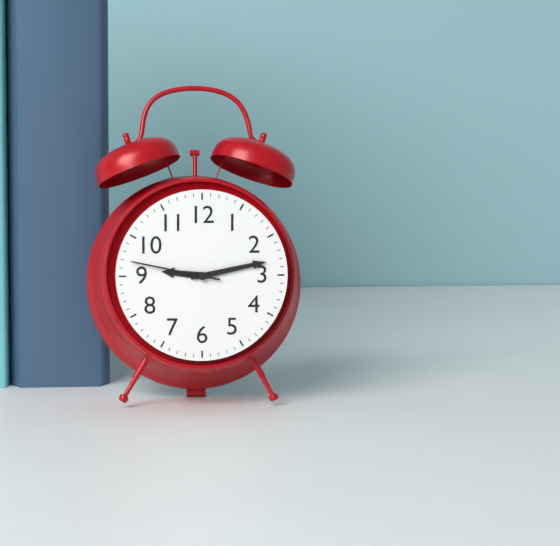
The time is 9,13,47
